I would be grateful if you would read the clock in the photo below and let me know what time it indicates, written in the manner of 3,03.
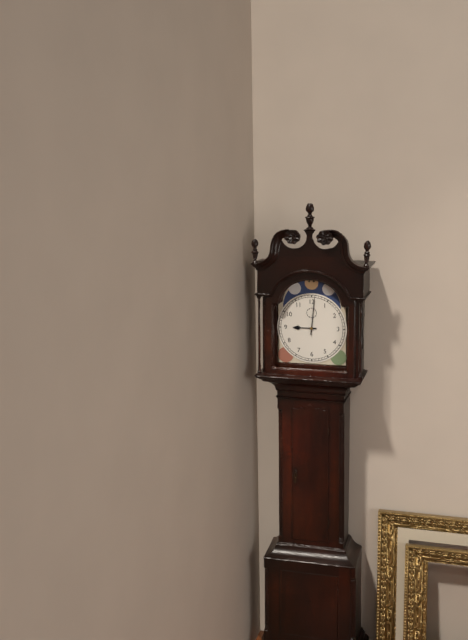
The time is 9,01
